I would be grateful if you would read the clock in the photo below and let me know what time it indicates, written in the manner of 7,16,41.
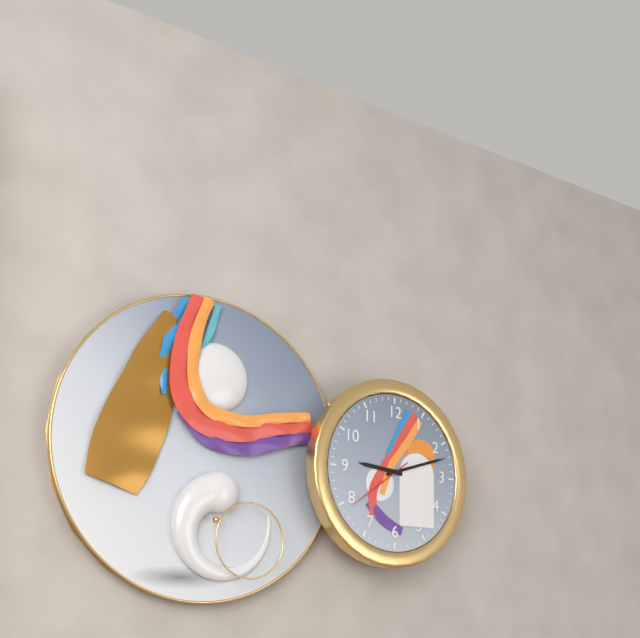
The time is 9,12,39
